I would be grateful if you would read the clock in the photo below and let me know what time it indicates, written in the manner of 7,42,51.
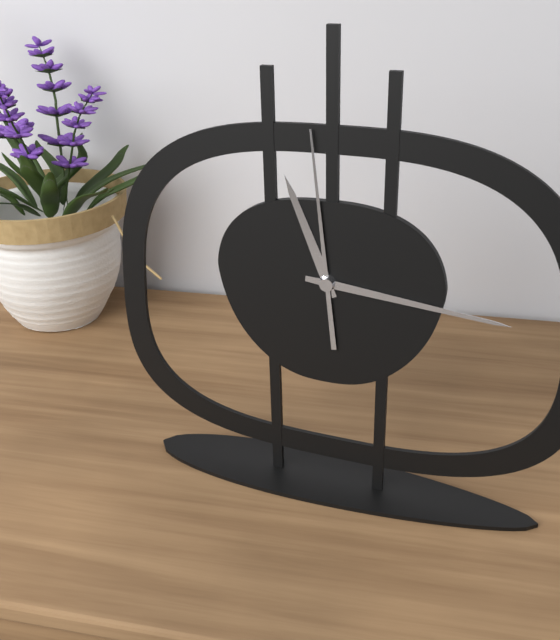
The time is 11,16,59
